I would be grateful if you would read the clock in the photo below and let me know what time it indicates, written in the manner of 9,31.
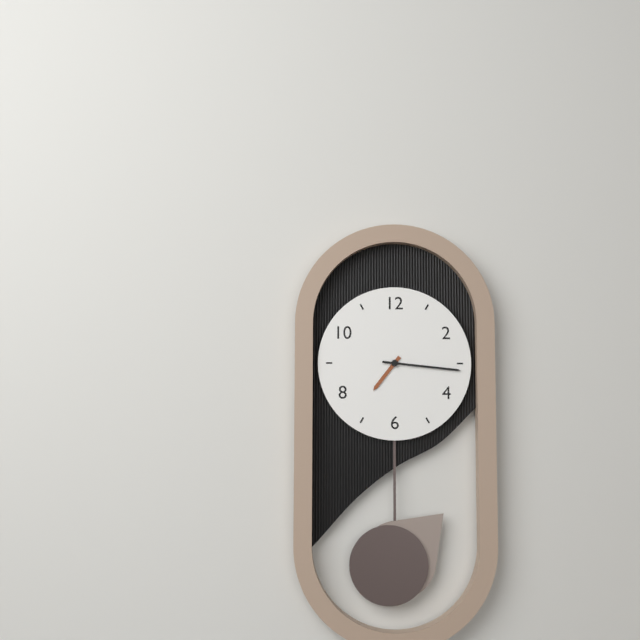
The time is 7,16
